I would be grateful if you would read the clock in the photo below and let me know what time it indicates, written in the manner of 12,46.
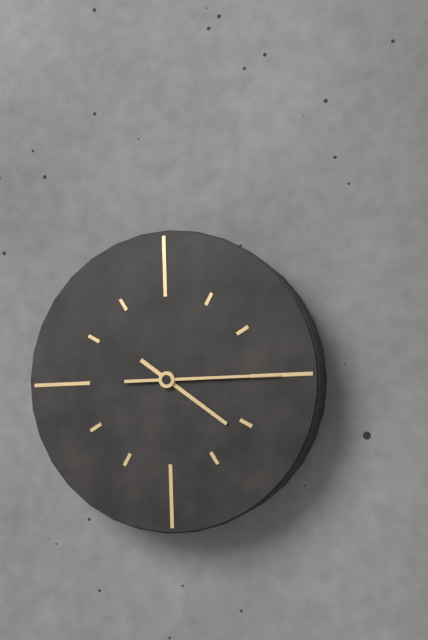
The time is 4,15
